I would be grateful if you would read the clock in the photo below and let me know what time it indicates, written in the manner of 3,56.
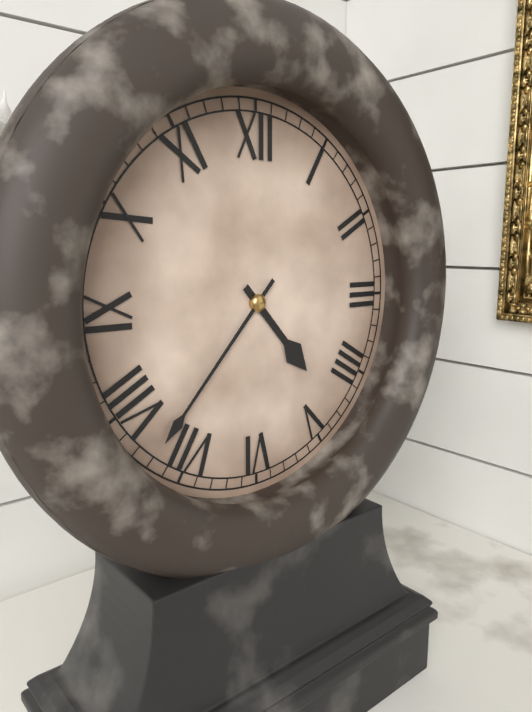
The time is 4,37
